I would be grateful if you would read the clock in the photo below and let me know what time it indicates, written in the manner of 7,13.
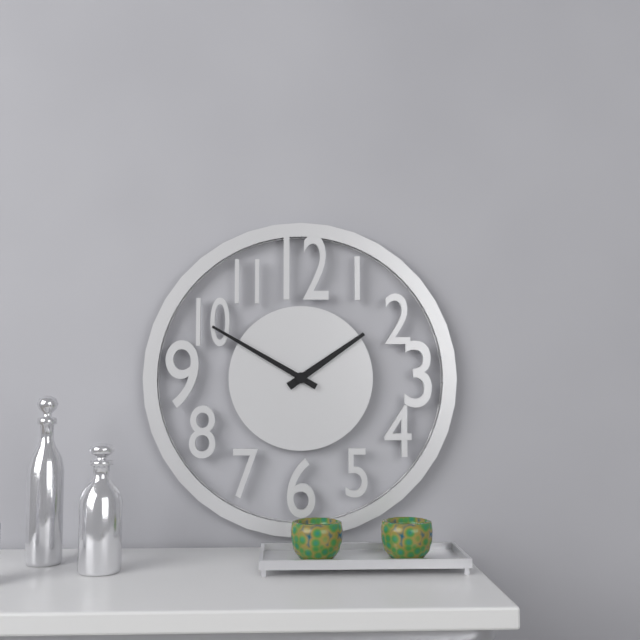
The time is 1,50
